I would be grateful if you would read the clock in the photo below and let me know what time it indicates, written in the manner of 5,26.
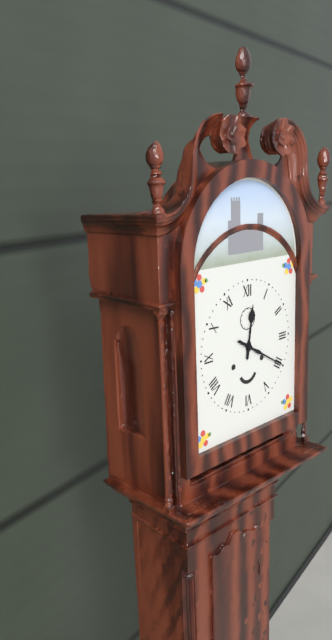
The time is 12,20
